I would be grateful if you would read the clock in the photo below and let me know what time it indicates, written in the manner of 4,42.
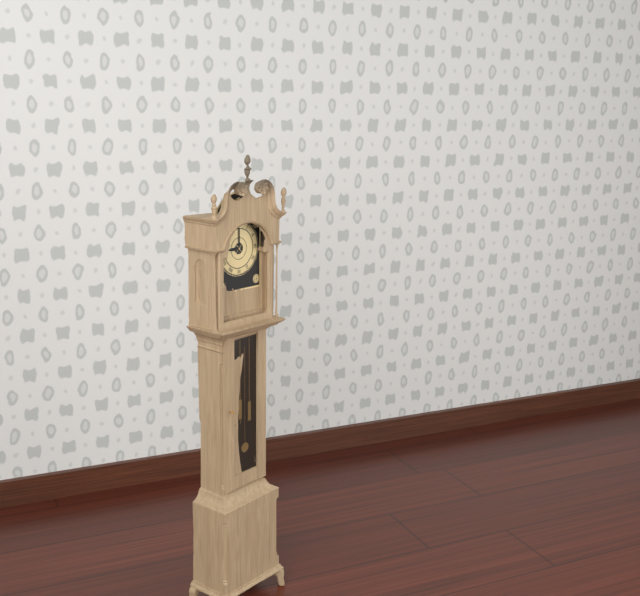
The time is 9,00
